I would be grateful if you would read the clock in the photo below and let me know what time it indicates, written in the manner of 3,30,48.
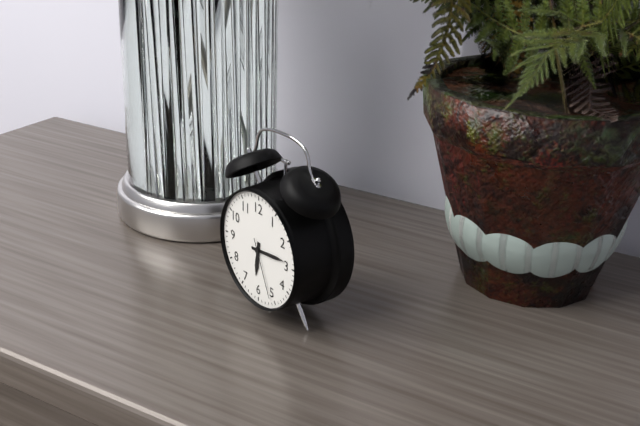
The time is 6,14,26
